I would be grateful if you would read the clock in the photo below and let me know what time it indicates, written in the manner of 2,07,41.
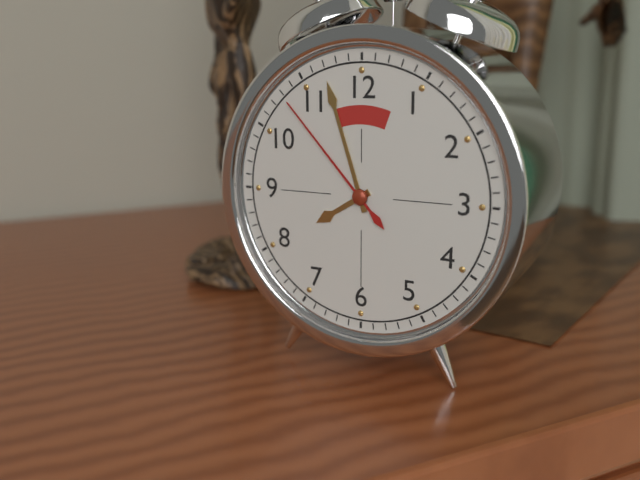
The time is 7,57,53
